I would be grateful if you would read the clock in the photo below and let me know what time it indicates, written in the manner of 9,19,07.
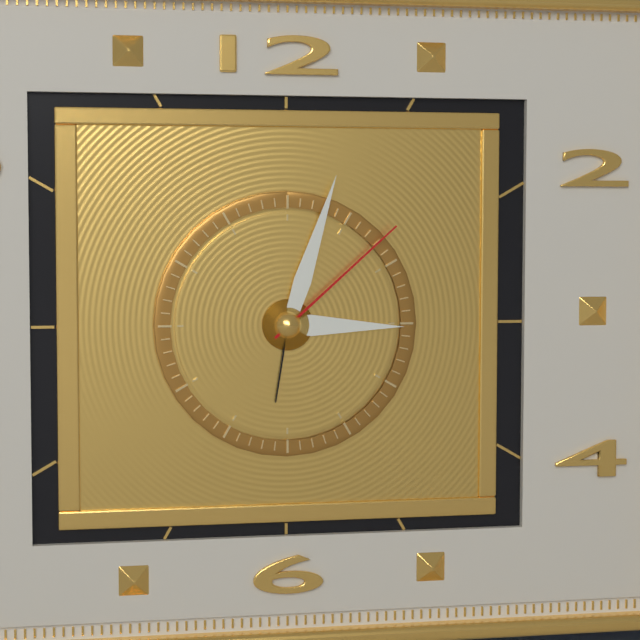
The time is 3,03,08
